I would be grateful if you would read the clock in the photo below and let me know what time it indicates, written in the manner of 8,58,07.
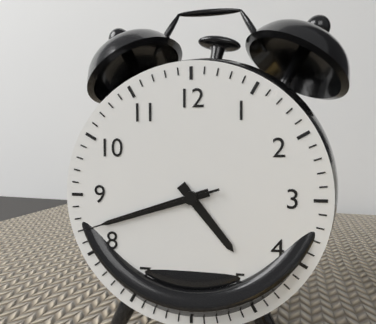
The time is 4,42,42
